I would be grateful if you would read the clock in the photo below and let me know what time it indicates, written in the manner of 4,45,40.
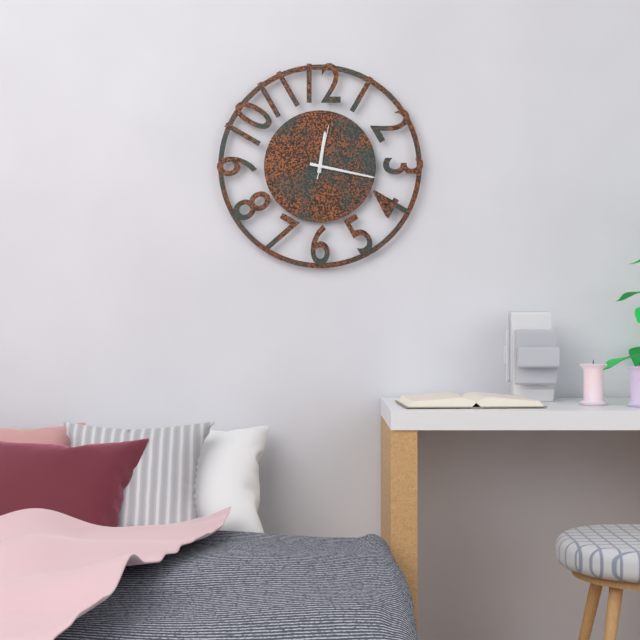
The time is 12,17,02
